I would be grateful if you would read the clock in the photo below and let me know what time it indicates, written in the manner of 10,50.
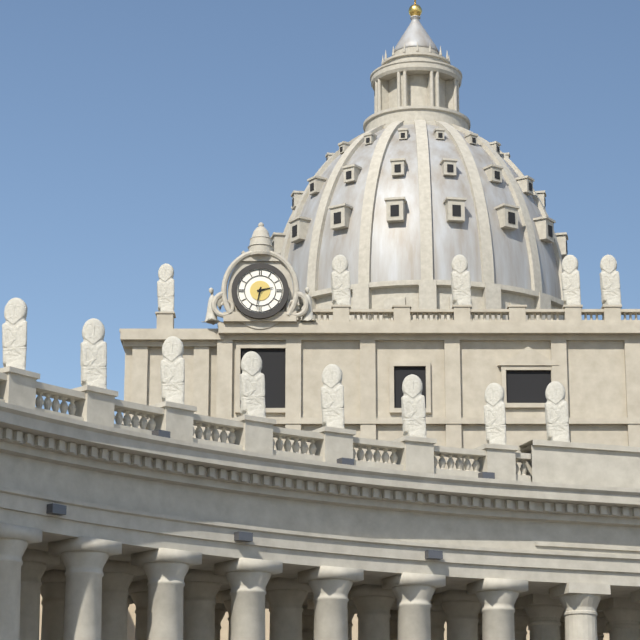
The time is 2,32
